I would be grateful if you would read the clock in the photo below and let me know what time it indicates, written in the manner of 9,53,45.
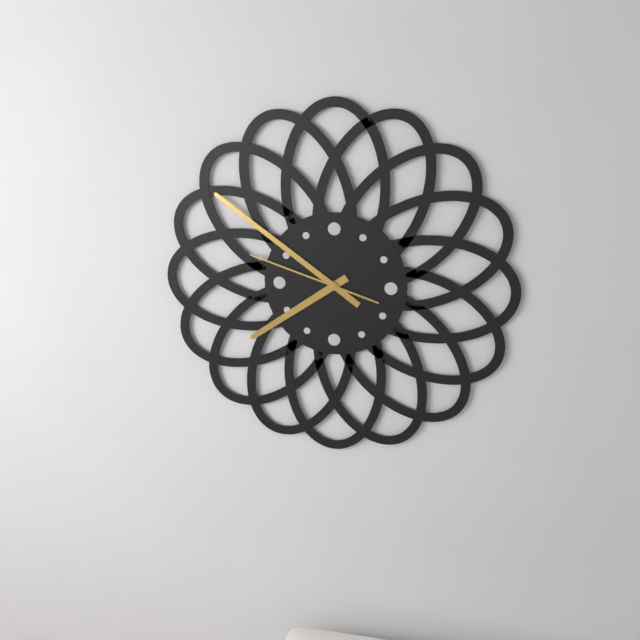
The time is 7,51,48
